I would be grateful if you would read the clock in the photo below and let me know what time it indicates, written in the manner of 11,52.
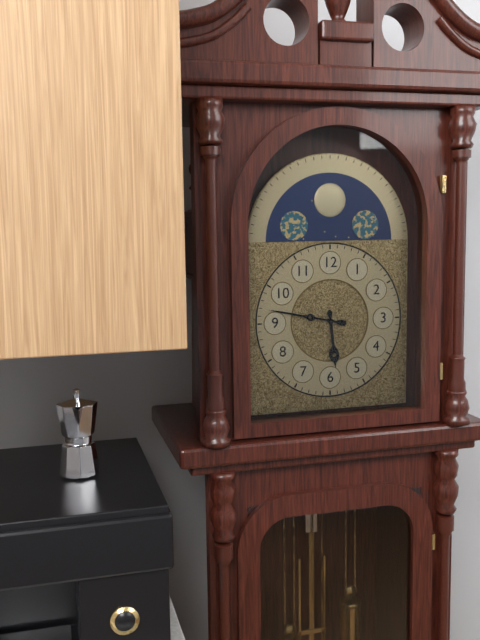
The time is 5,47
